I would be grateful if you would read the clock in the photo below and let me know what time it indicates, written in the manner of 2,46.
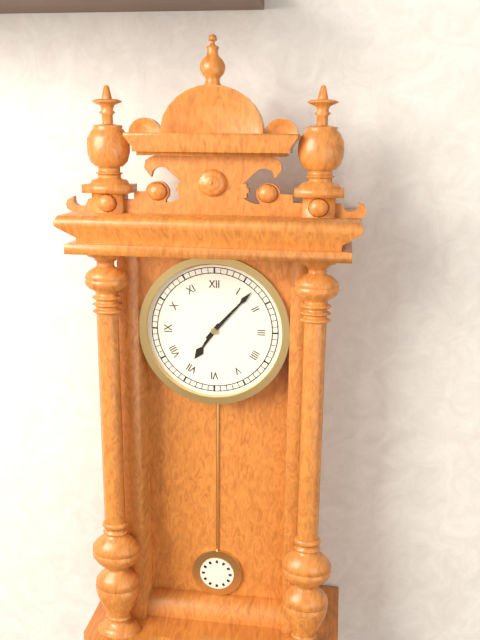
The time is 7,07
